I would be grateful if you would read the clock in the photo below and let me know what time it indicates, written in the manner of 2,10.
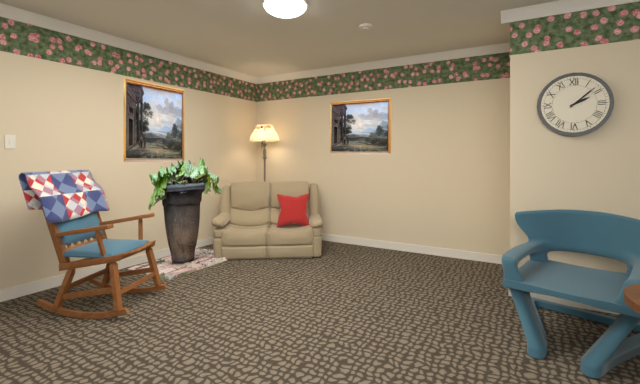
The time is 2,08
